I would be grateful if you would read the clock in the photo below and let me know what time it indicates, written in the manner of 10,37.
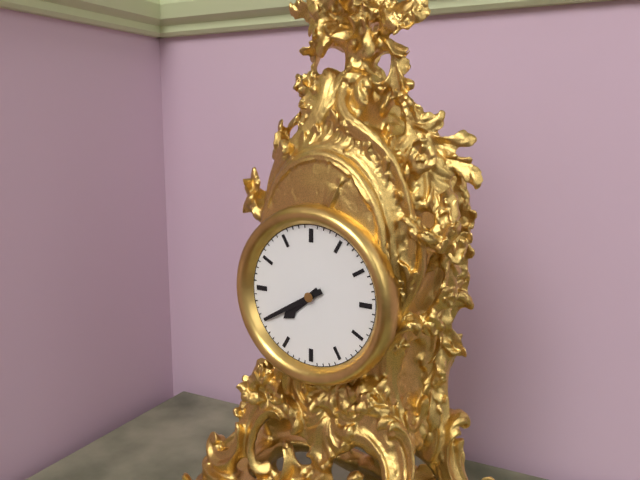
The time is 7,40
